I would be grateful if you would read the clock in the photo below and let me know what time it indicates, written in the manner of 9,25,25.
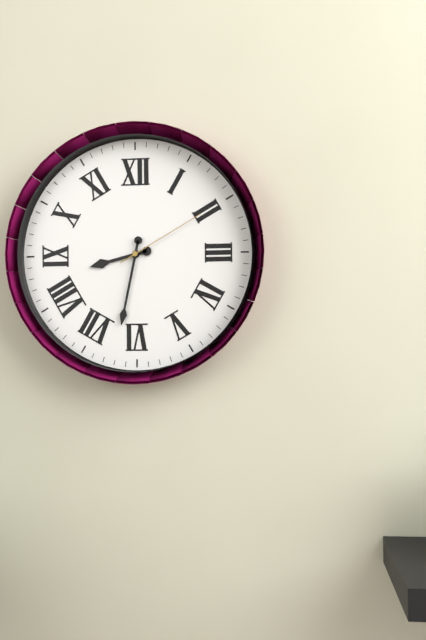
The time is 8,32,10
